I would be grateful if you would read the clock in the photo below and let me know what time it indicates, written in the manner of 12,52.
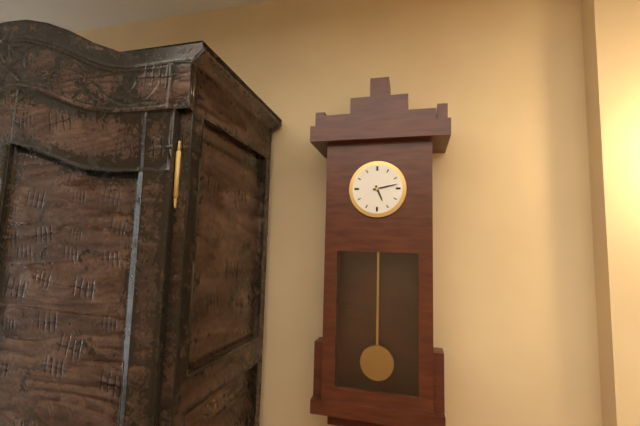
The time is 5,13
